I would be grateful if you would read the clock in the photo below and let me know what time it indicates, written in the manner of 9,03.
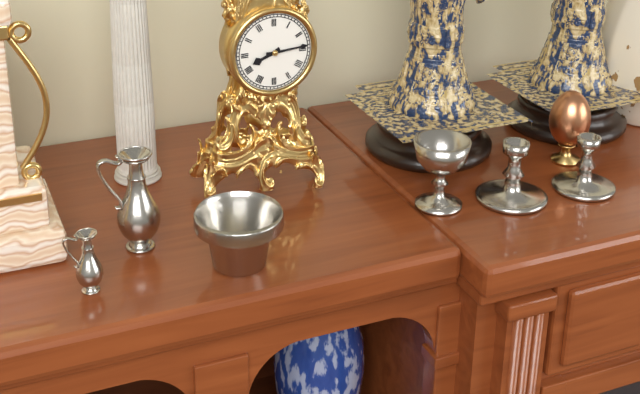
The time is 8,14
